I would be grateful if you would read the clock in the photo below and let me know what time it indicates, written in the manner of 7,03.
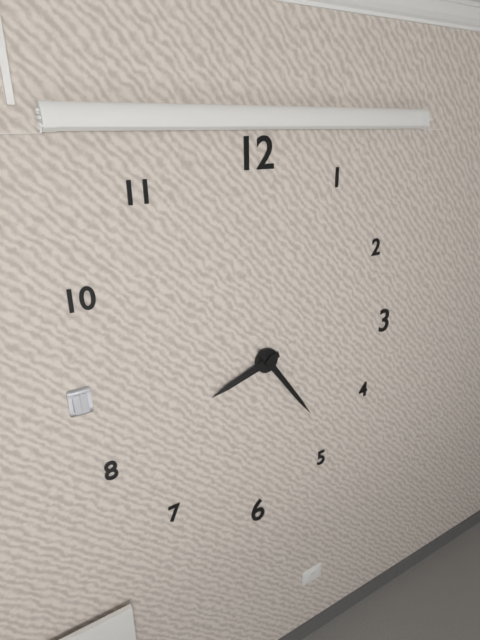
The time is 8,24
